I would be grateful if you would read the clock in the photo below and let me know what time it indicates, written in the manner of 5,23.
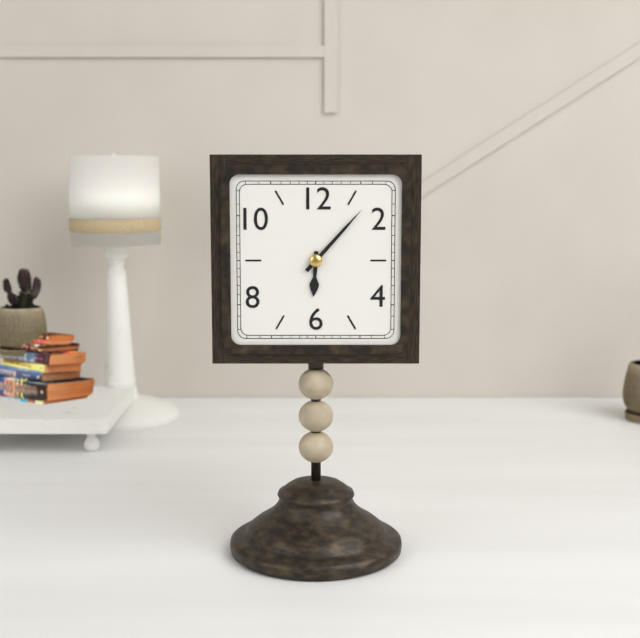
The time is 6,07
